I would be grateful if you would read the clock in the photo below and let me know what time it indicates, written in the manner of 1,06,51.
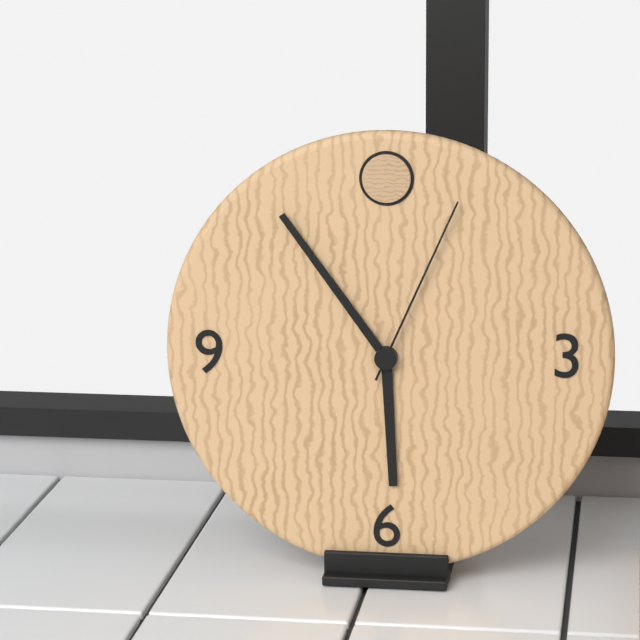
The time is 5,54,04
